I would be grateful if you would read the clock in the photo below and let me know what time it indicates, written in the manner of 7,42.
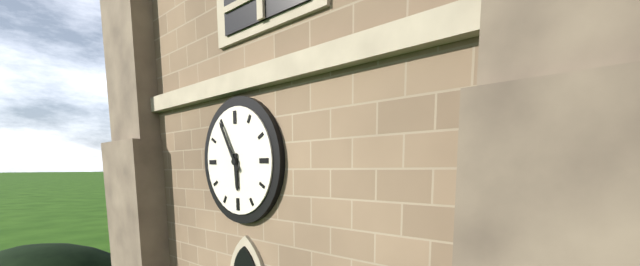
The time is 5,55
